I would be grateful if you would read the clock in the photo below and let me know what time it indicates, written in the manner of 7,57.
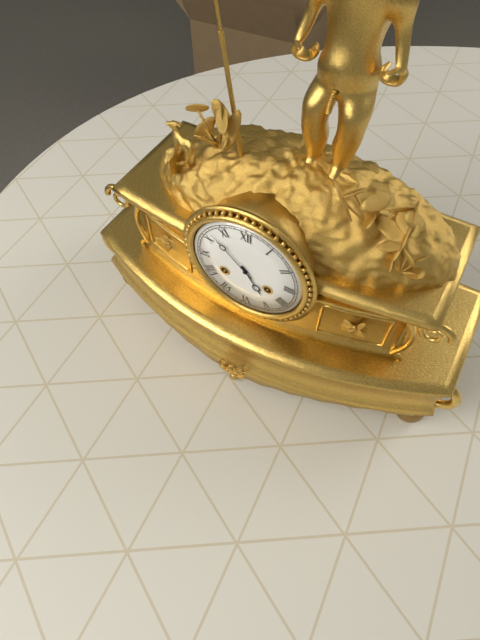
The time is 4,52
